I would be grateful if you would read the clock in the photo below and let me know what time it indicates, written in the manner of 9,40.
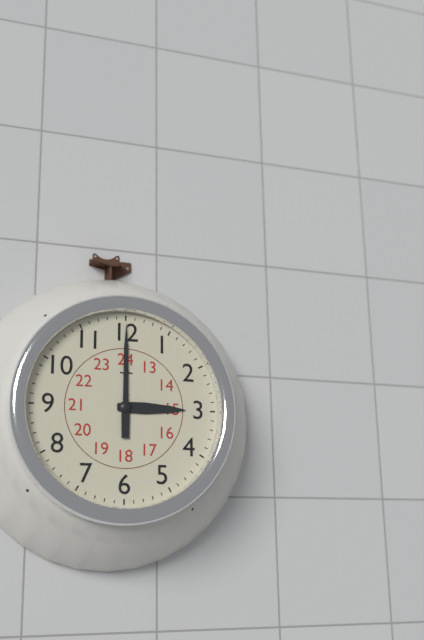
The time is 3,00
